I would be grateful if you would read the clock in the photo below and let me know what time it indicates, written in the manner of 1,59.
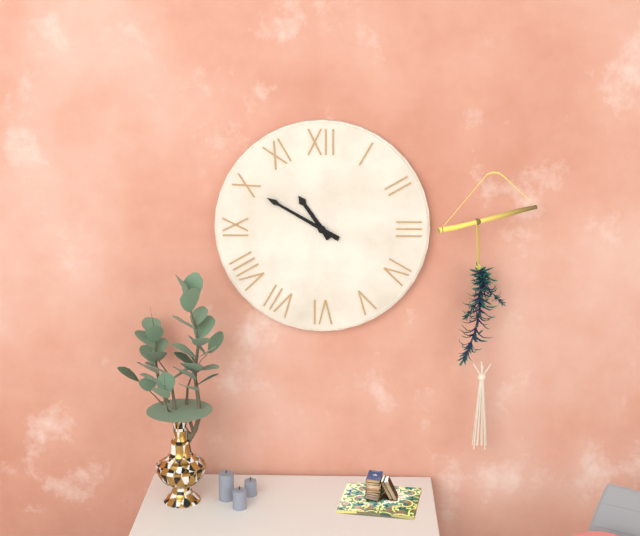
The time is 10,50
